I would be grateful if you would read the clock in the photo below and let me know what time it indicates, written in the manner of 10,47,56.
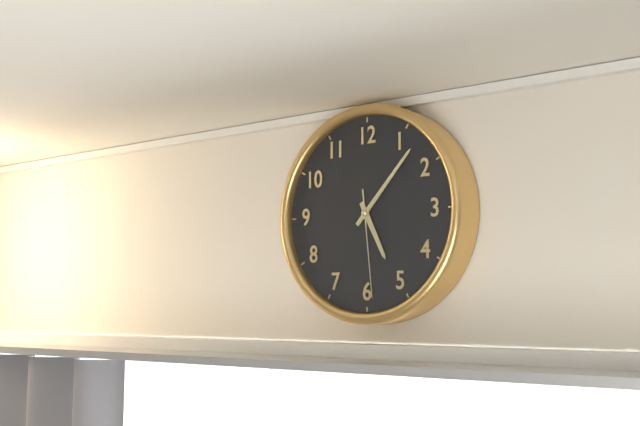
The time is 5,07,29
